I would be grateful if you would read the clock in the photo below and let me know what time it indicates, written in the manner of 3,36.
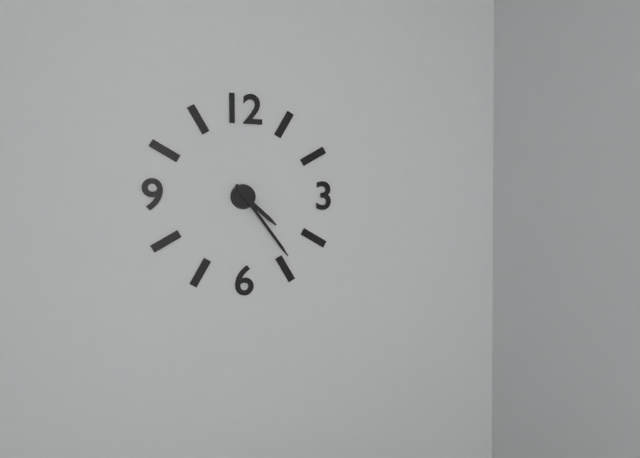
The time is 4,24
